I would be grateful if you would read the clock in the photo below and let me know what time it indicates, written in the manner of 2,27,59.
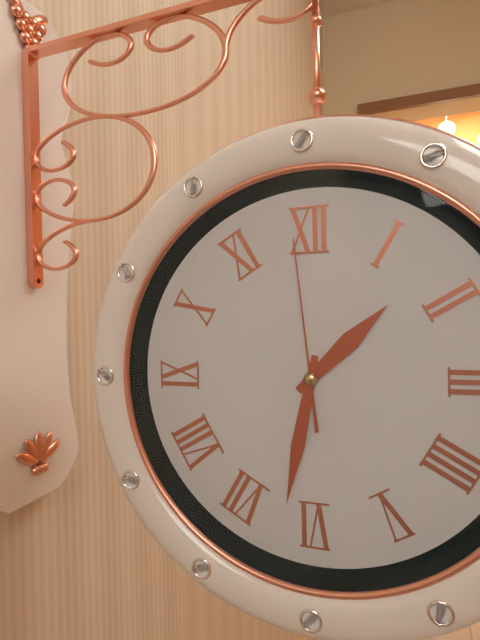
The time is 1,32,59
